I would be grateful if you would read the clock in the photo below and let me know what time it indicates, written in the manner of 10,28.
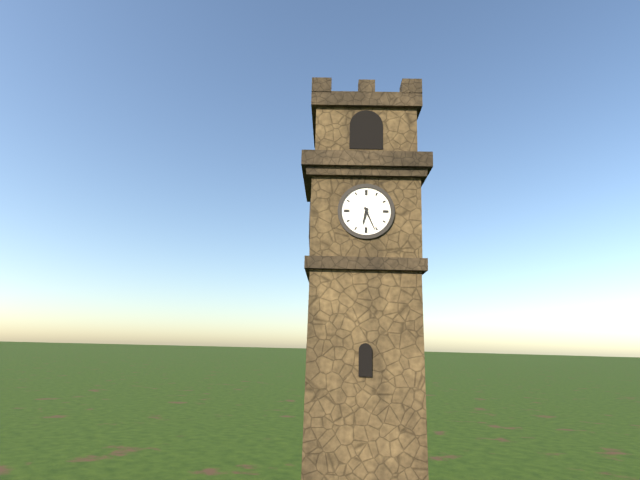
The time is 6,26
